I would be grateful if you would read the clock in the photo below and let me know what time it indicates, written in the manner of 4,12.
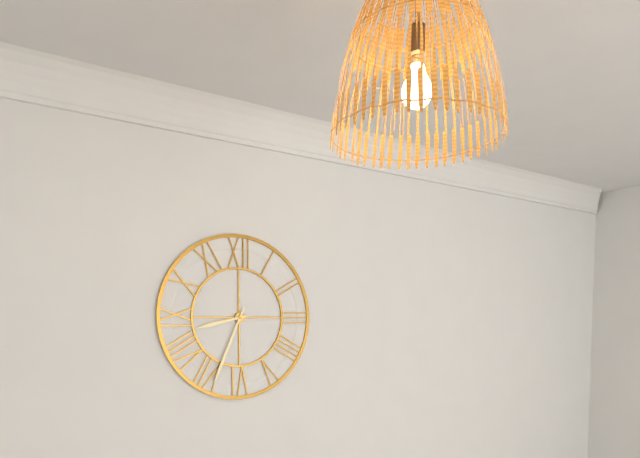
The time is 8,34
